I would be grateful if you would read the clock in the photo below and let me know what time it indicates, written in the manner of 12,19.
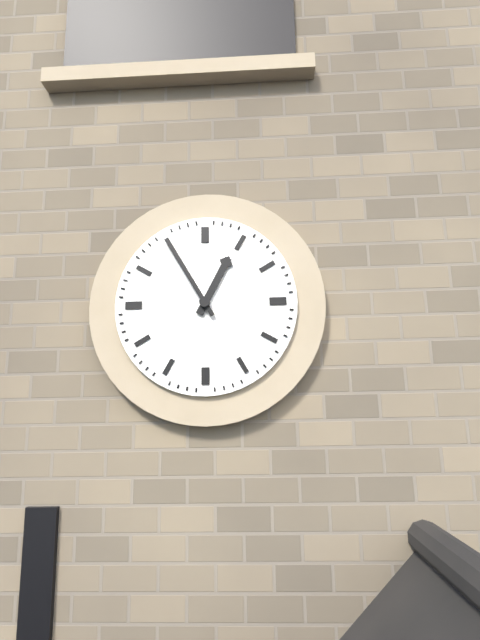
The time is 12,55
